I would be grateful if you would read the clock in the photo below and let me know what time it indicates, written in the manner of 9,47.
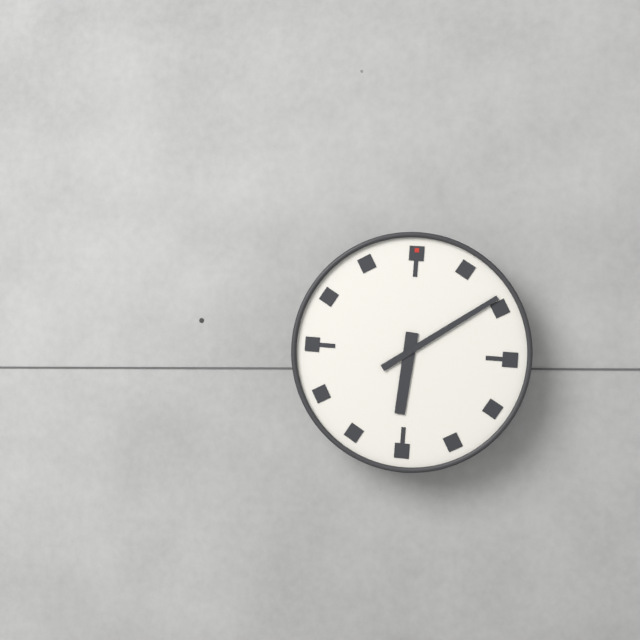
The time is 6,09
